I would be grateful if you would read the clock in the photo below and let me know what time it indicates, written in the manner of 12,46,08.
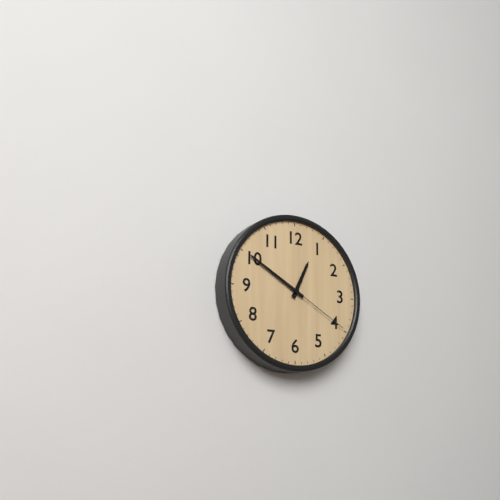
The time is 12,50,20
